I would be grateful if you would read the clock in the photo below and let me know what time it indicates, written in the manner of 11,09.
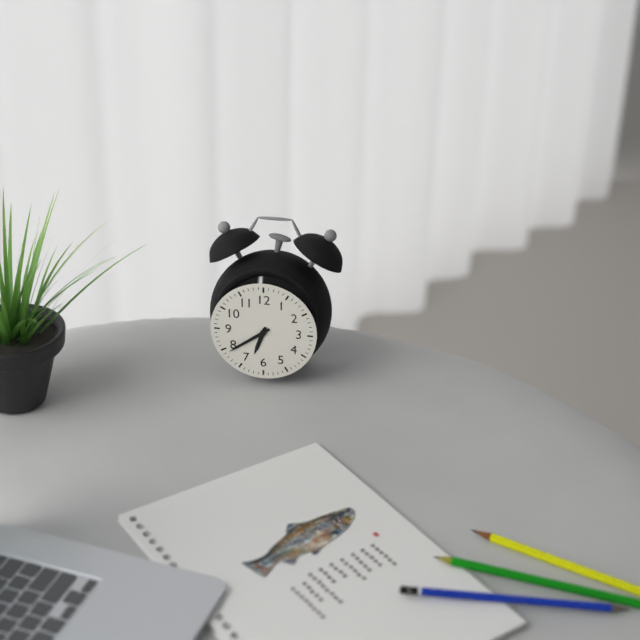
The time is 6,39
